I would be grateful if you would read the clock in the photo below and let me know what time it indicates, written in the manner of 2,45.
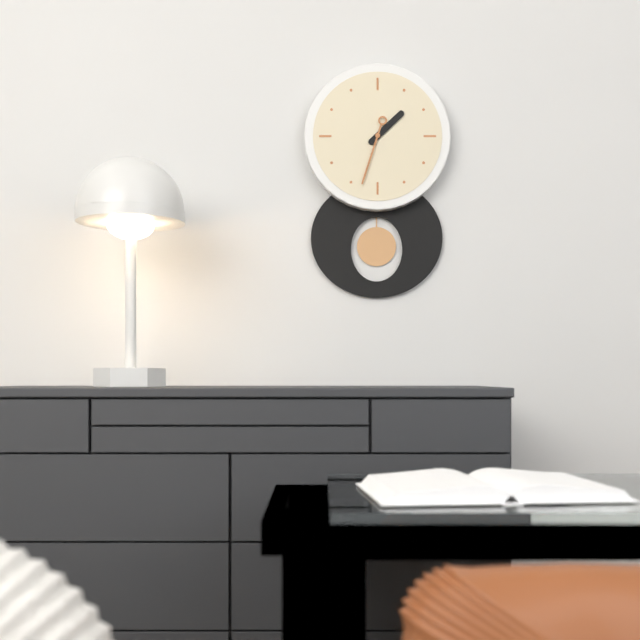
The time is 1,33
